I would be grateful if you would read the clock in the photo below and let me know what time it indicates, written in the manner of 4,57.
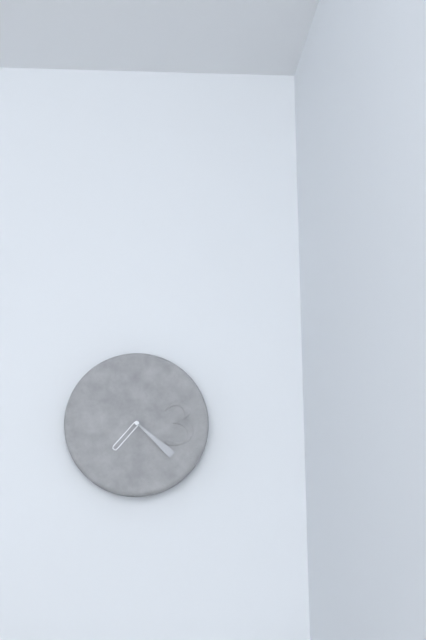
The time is 7,22
